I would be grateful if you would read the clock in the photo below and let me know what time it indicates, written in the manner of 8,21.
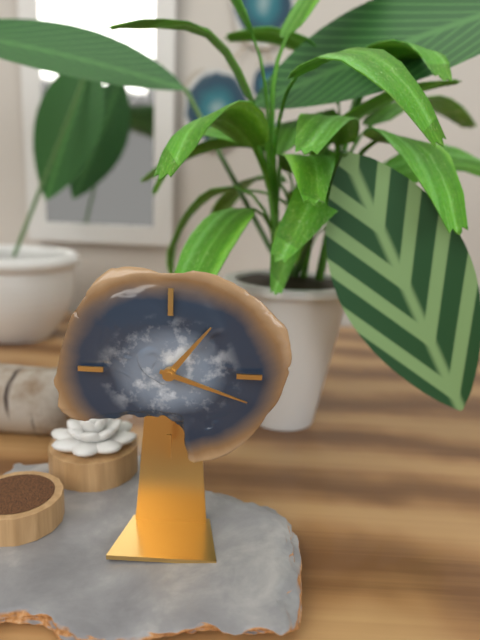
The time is 1,18
